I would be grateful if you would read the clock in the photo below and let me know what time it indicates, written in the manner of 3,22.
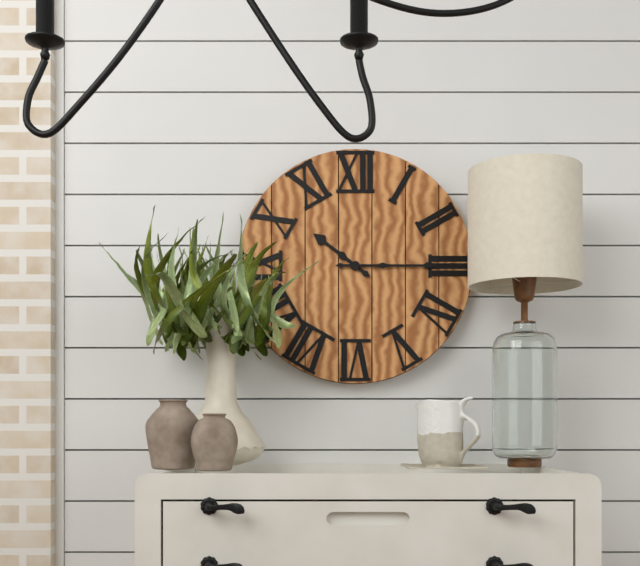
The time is 10,15
